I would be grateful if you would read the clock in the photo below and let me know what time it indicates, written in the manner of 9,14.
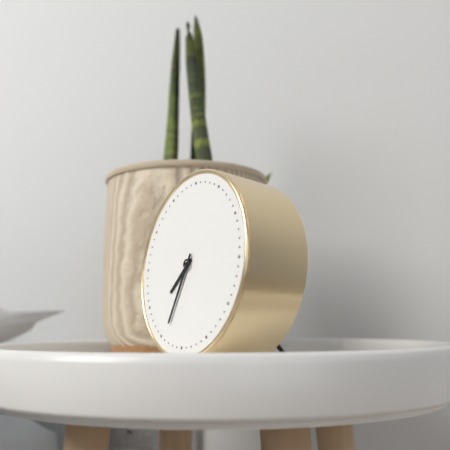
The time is 7,34
